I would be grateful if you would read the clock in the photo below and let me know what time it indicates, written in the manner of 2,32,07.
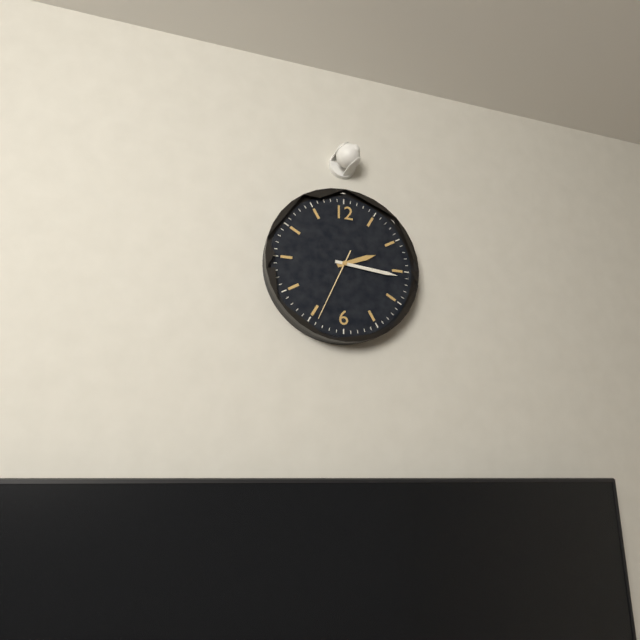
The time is 2,16,34
